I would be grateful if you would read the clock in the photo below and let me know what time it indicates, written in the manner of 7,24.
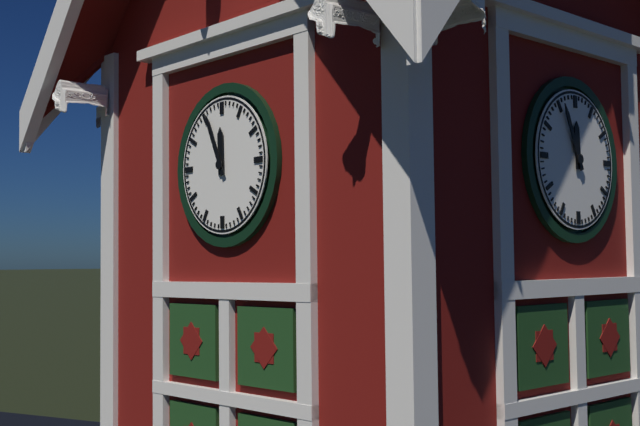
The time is 11,56
